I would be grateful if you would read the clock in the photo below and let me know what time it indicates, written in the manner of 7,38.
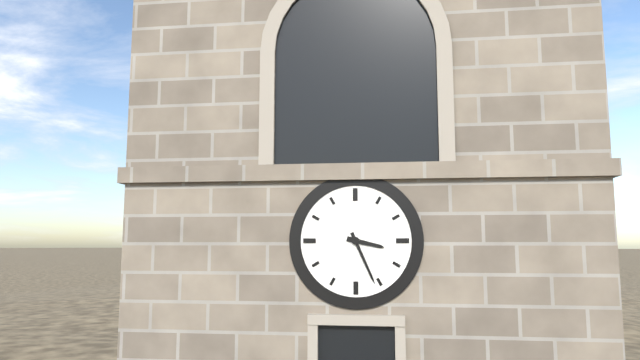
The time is 3,26
